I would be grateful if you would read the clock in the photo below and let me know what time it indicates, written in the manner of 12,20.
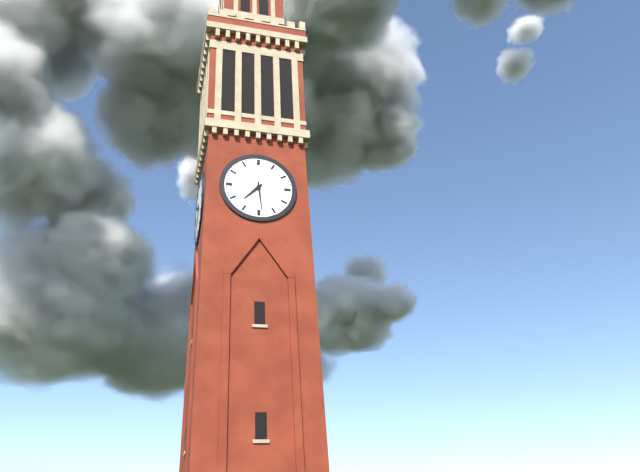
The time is 7,29
